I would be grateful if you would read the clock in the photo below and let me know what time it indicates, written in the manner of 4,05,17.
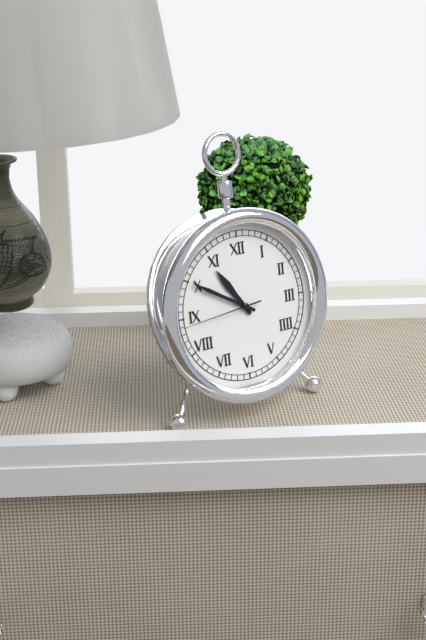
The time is 10,50,44
